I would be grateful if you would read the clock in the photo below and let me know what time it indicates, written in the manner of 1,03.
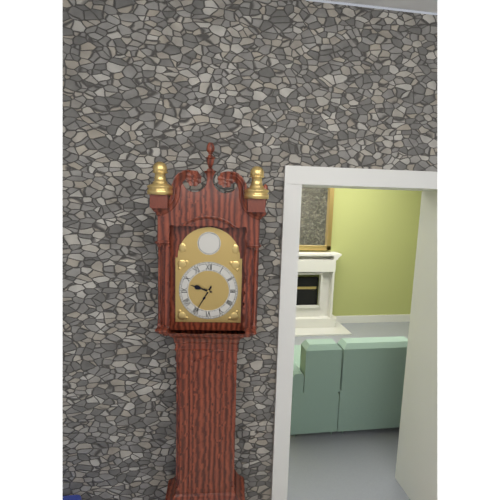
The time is 9,35
